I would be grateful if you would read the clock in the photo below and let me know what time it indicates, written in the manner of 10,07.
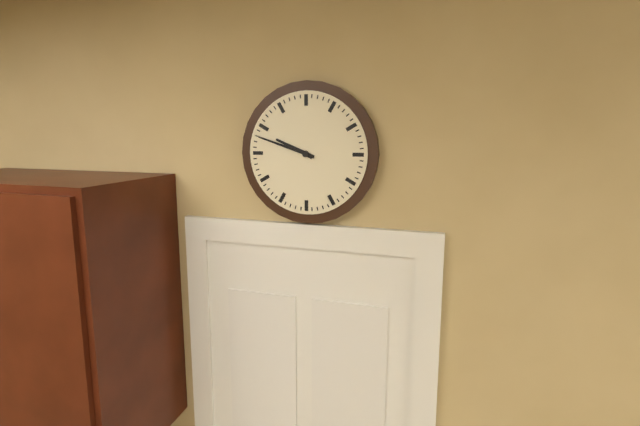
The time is 9,48
